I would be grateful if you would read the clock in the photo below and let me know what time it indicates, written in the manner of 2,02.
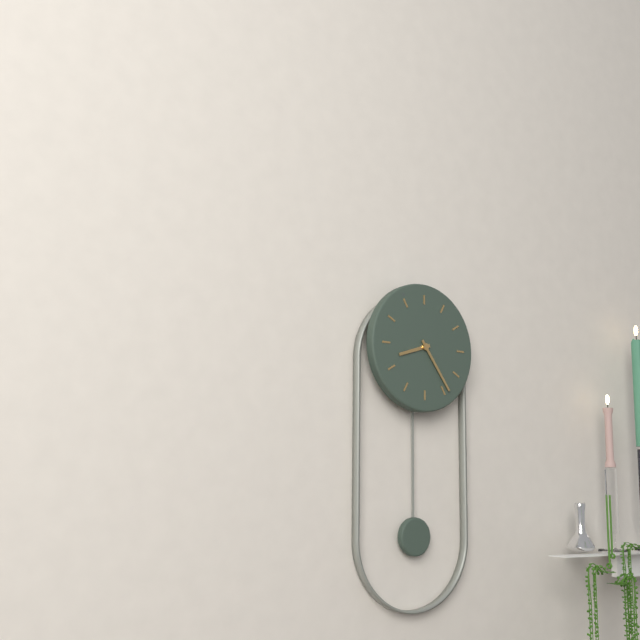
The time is 8,24
